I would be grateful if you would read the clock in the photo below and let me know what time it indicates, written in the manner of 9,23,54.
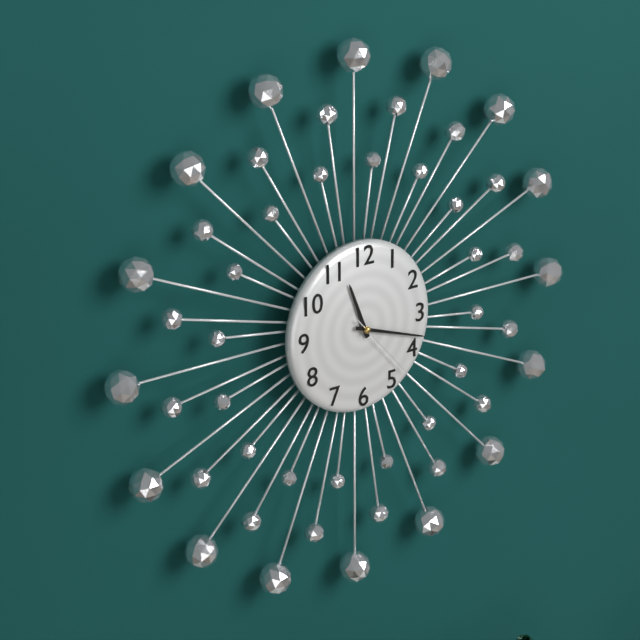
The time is 11,18,23
